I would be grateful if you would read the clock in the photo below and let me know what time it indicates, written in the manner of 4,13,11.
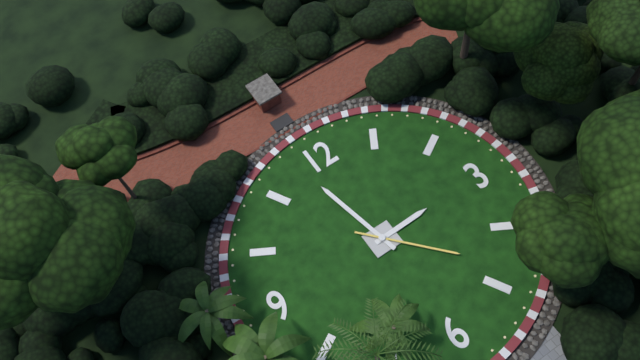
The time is 2,58,23
